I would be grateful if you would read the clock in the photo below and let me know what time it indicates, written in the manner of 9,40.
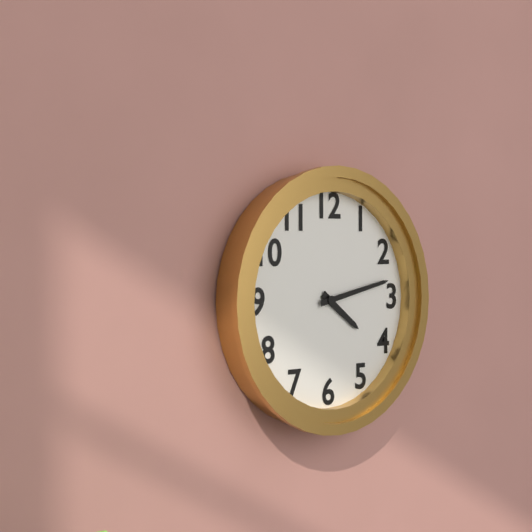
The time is 4,13
